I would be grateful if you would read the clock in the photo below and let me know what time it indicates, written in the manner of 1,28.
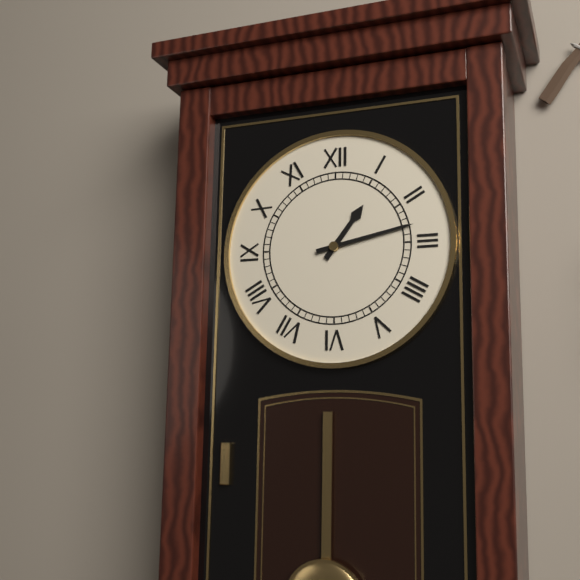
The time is 1,13
